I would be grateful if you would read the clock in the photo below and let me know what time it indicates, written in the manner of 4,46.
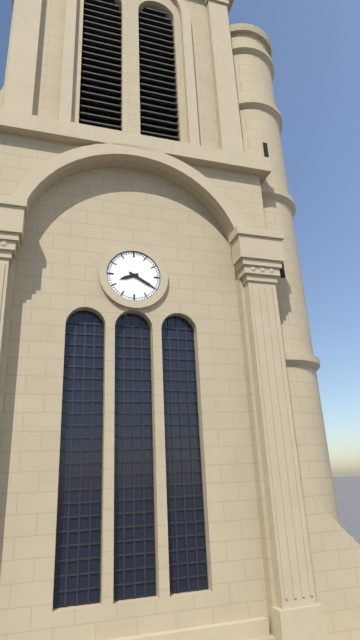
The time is 8,20
